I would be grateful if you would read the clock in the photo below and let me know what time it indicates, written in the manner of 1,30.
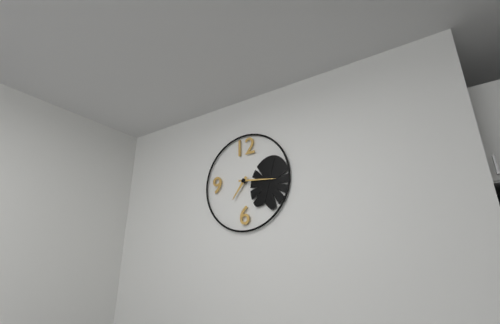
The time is 7,16
